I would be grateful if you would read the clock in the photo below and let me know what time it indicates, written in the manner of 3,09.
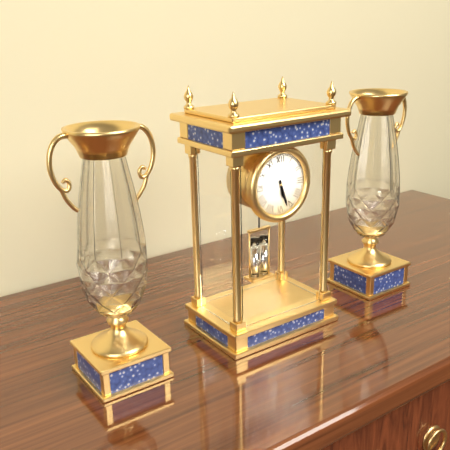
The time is 5,27
